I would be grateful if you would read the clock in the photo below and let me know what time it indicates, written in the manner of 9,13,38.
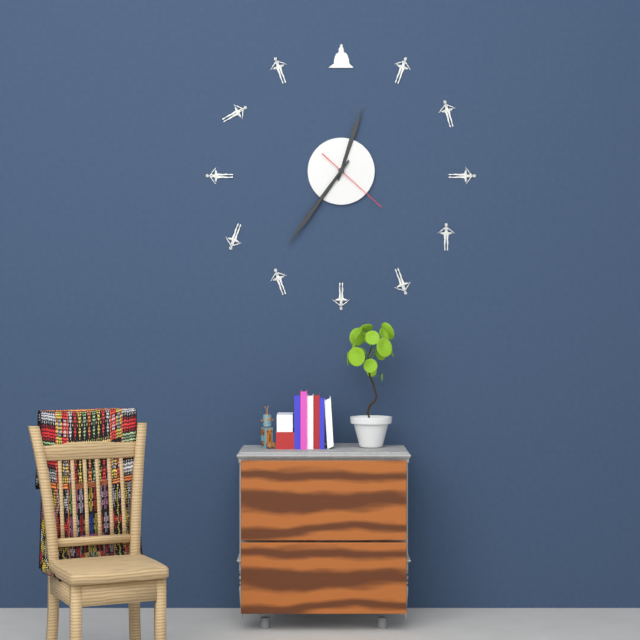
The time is 12,36,22
